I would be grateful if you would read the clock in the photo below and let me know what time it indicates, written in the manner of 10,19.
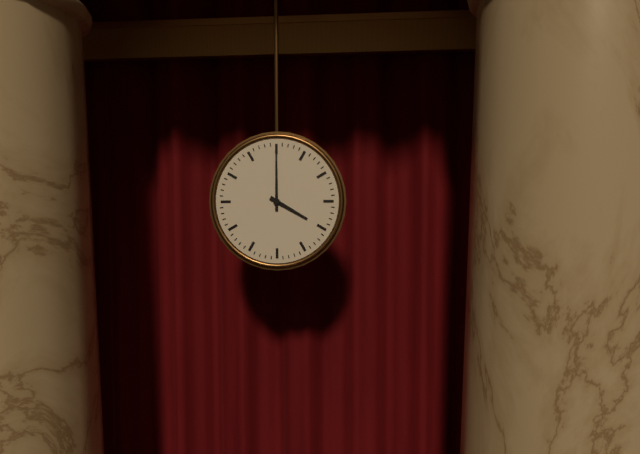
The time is 4,00
